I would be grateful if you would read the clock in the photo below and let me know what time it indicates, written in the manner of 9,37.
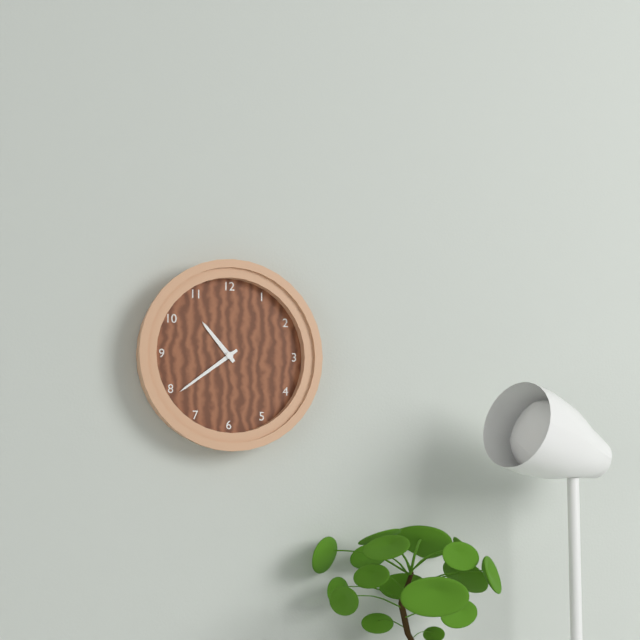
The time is 10,39
